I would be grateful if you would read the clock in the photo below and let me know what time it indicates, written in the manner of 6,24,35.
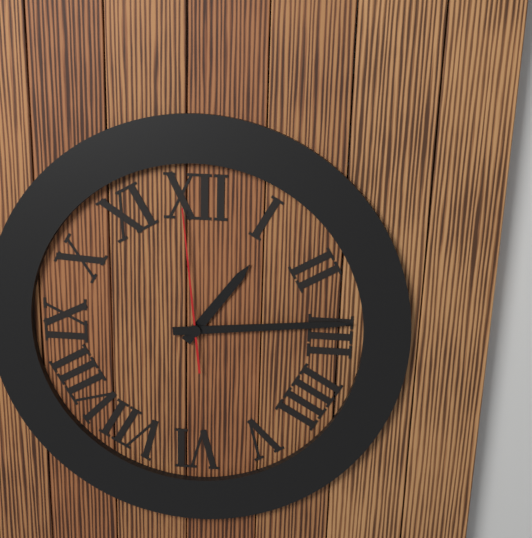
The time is 1,14,59
